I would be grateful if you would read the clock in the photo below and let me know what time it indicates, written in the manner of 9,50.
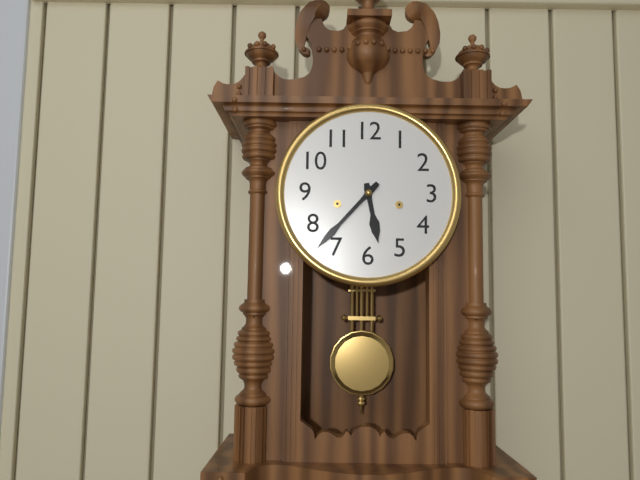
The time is 5,37
